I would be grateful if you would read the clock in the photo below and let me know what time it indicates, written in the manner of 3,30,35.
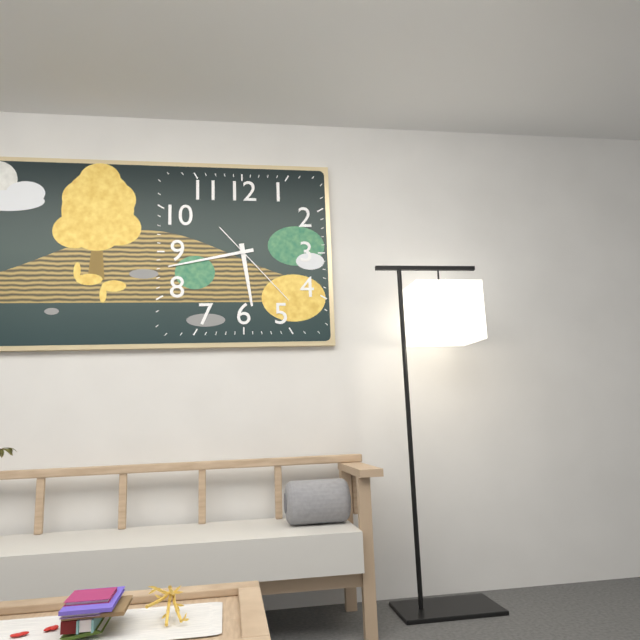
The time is 5,43,23
